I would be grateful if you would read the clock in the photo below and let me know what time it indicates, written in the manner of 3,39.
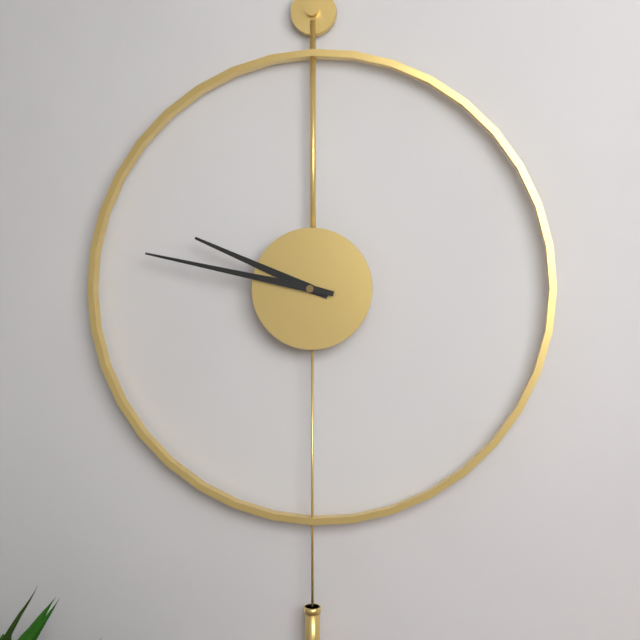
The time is 9,47
